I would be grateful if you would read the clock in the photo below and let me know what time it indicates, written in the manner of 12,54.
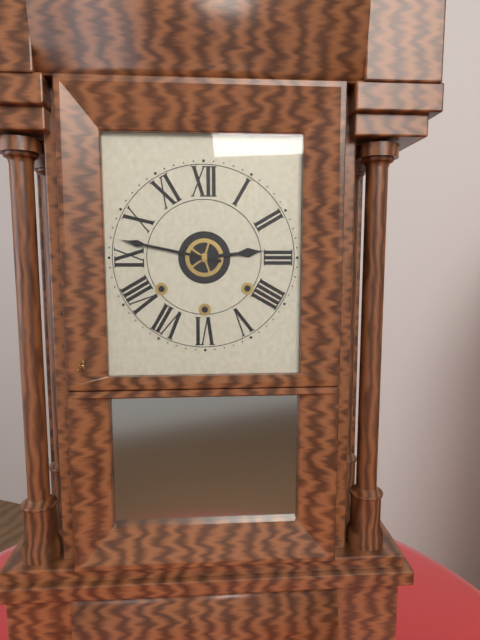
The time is 2,47
